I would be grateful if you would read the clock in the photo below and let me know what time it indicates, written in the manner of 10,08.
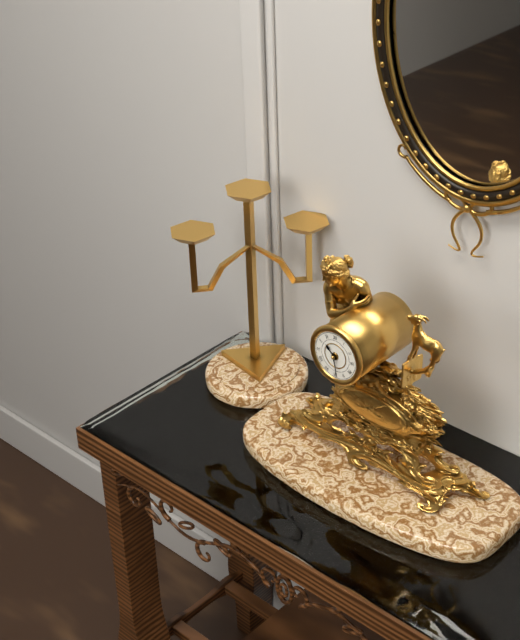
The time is 10,28
